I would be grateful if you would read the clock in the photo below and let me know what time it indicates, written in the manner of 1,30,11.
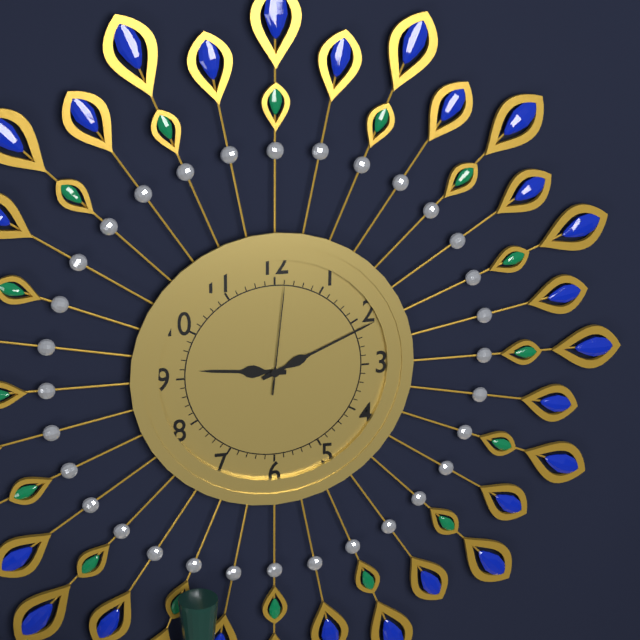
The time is 9,11,01
